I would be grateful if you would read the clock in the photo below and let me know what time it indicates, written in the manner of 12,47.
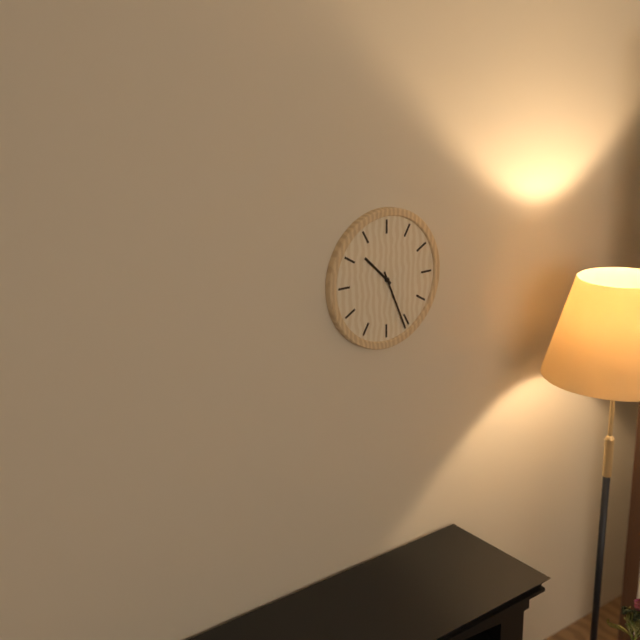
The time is 10,26
